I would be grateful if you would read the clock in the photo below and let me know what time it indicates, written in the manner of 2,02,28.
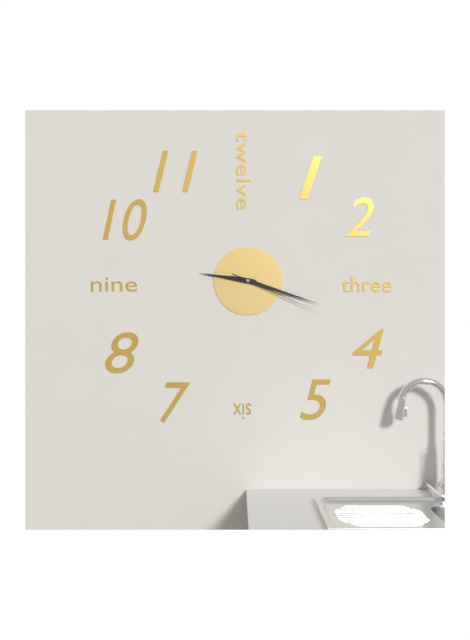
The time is 9,18,19
